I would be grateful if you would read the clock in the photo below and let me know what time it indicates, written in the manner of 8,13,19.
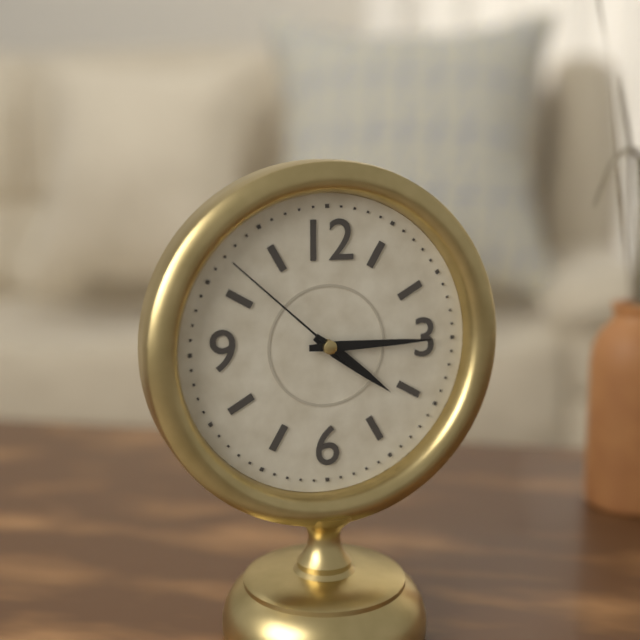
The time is 4,15,52
